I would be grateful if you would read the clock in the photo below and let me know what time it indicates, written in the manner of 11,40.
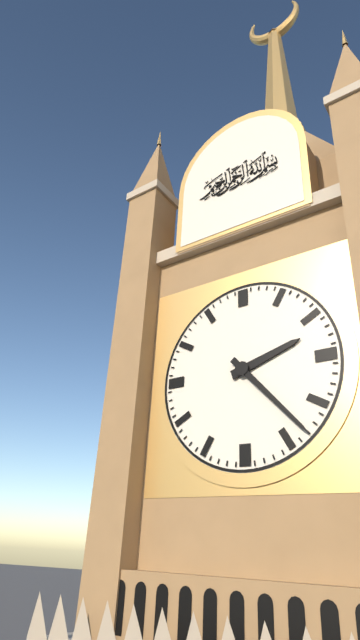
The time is 2,23
